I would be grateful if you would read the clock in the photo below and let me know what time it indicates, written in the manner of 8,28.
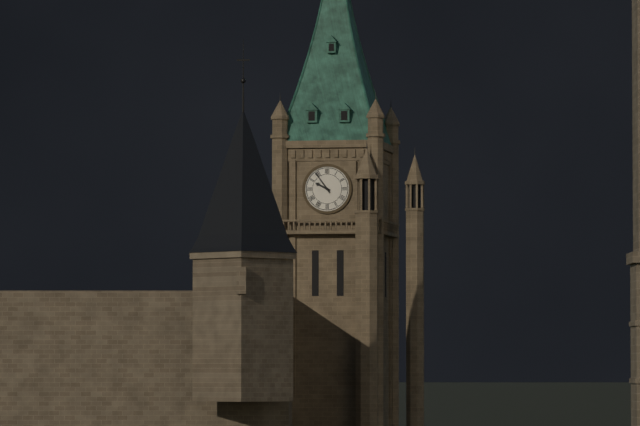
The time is 9,54
